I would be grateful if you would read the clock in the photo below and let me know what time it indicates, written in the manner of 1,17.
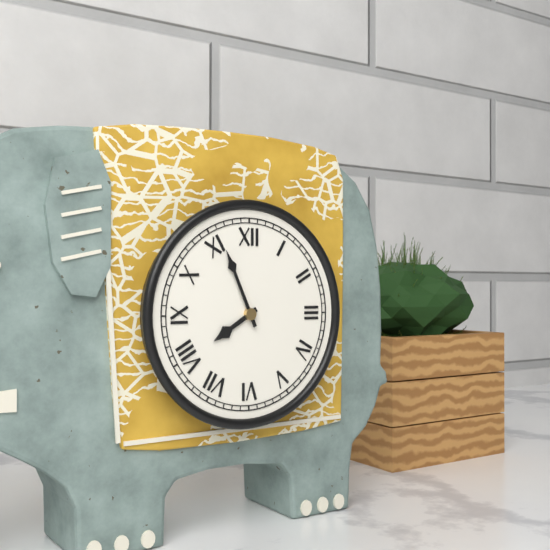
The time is 7,56
